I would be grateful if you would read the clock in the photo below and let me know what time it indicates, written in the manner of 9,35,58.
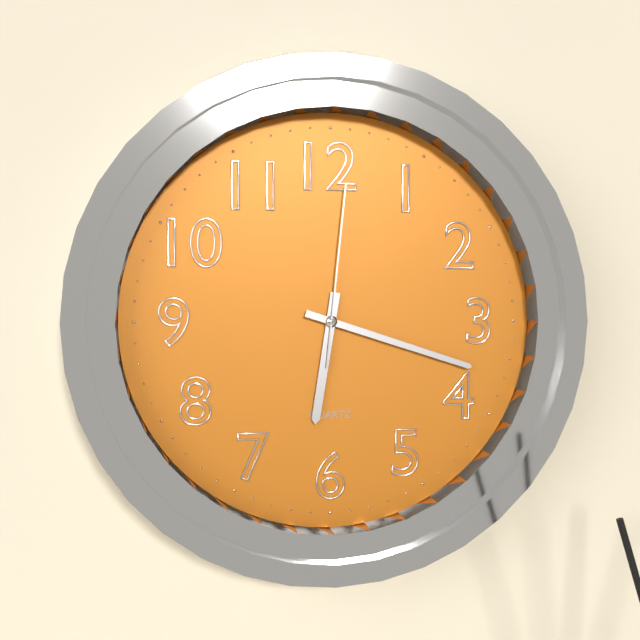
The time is 6,18,01
